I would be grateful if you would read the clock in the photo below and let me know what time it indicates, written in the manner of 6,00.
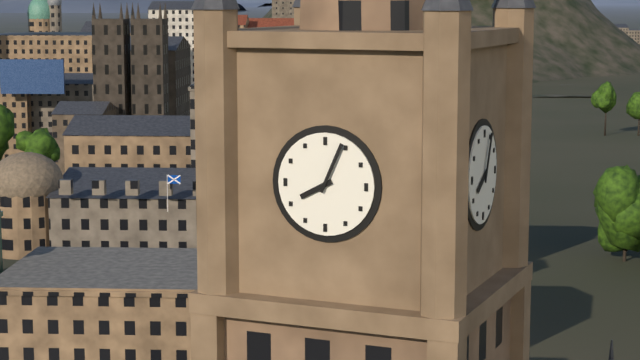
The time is 8,04
